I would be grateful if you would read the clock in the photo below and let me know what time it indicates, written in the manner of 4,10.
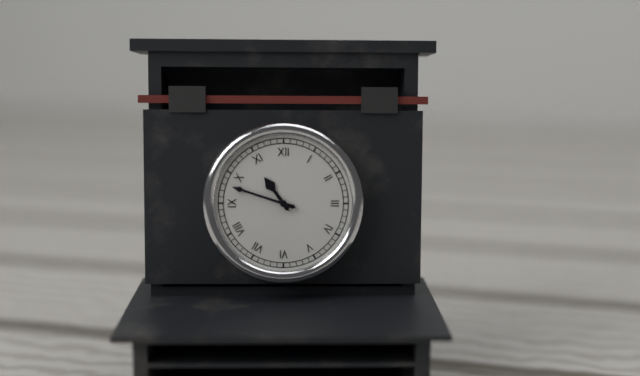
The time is 10,48
